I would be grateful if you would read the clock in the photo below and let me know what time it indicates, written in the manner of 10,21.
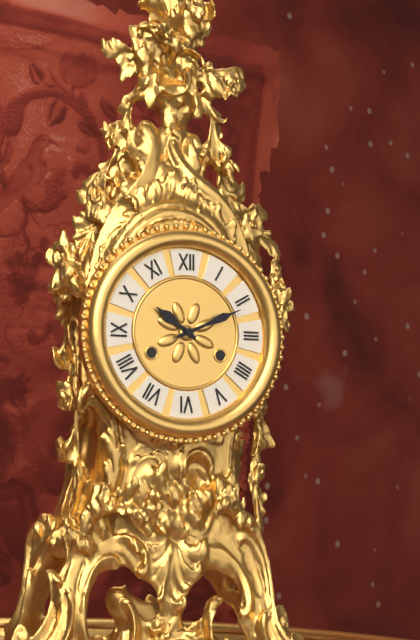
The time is 10,11
